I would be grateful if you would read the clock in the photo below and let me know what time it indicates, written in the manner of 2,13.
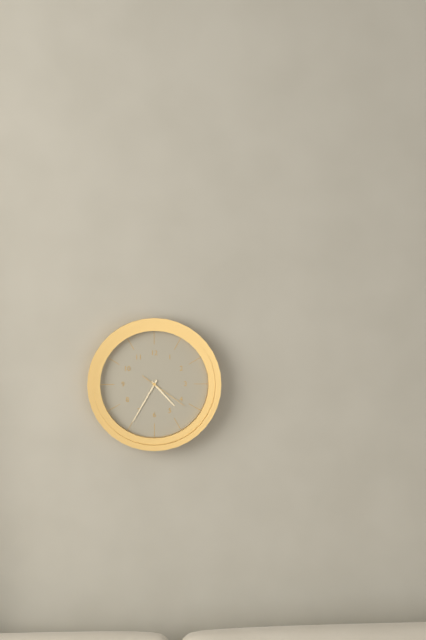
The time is 4,35
